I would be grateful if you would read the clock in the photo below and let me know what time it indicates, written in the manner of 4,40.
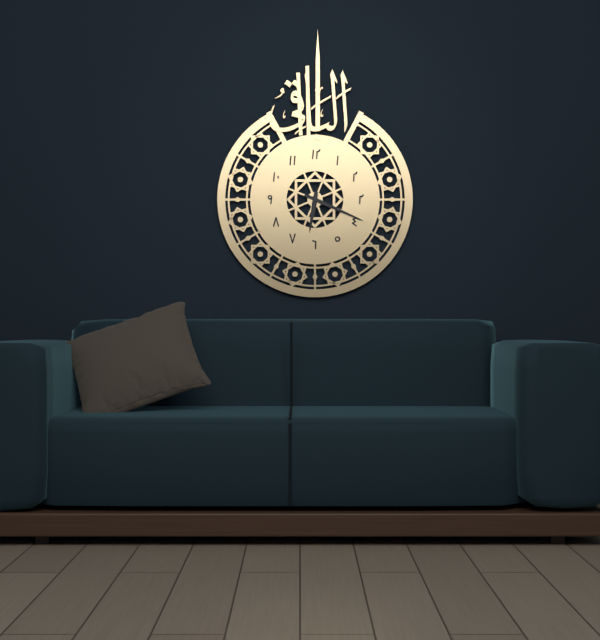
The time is 6,19
